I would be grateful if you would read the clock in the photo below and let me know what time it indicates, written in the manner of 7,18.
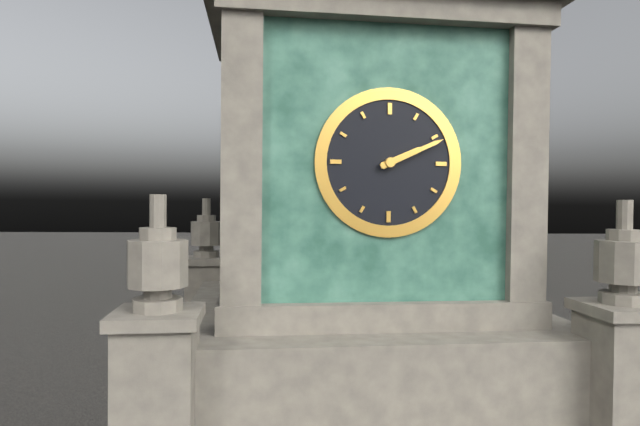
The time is 2,11
